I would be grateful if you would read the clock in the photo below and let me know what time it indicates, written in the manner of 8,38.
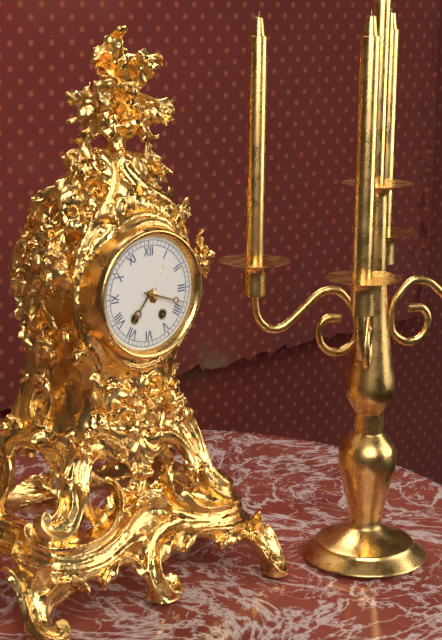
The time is 7,18
